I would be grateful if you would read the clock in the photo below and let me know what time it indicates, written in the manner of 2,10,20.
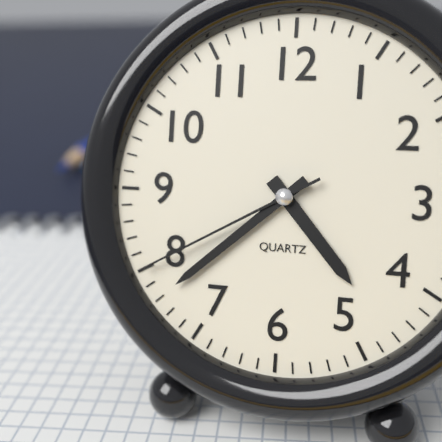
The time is 4,38,40
